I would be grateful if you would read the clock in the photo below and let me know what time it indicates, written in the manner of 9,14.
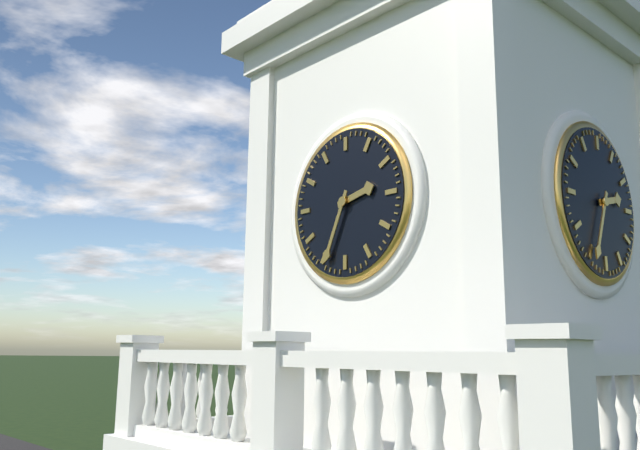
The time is 2,34
